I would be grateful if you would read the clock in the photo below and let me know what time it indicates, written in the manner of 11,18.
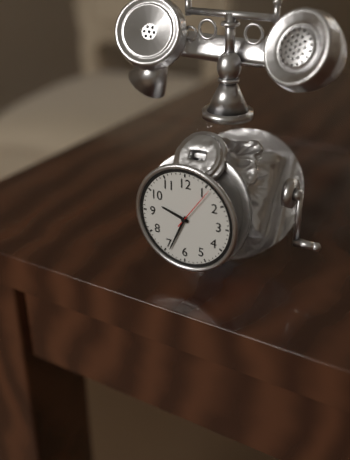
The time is 9,34
